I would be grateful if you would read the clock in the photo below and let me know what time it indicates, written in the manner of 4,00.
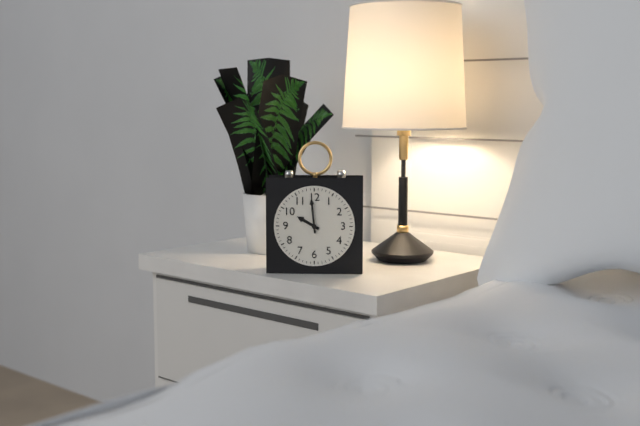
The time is 9,59
